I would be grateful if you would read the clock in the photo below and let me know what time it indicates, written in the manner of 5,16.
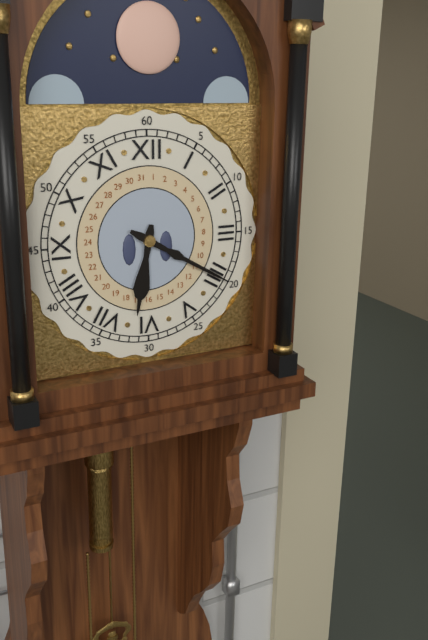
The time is 6,20
